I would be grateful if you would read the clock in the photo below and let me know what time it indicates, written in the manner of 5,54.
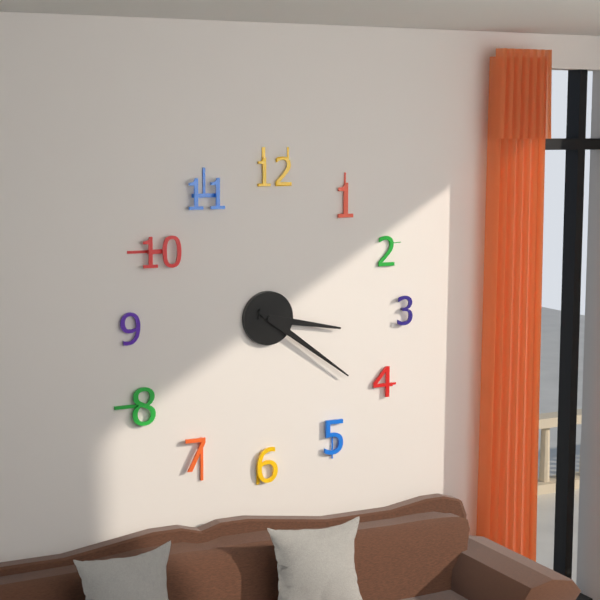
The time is 3,21
